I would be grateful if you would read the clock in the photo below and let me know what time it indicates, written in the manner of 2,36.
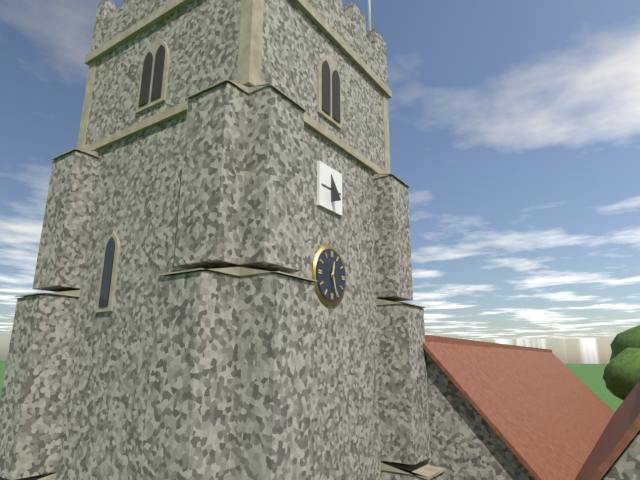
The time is 12,27
